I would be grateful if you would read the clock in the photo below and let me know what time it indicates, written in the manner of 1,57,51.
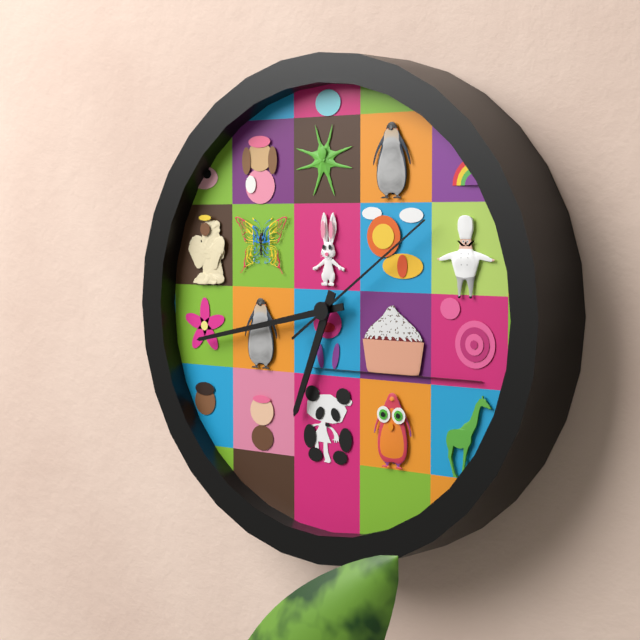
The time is 6,43,09
